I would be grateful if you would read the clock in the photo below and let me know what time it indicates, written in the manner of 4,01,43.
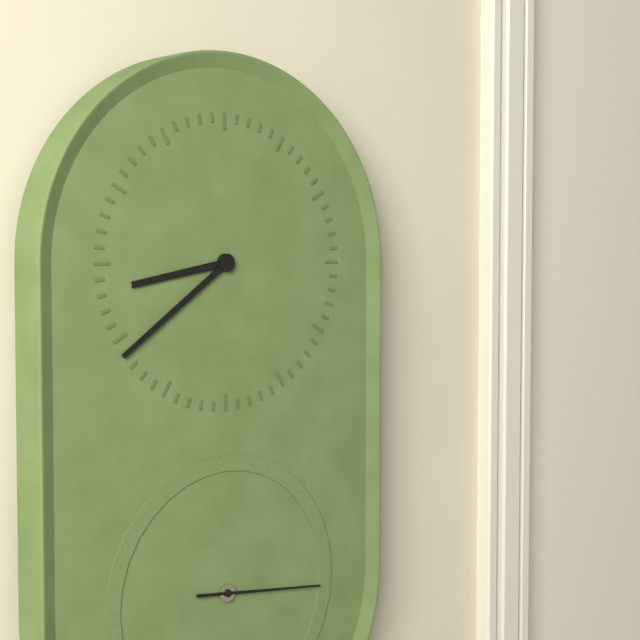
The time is 8,39,16
